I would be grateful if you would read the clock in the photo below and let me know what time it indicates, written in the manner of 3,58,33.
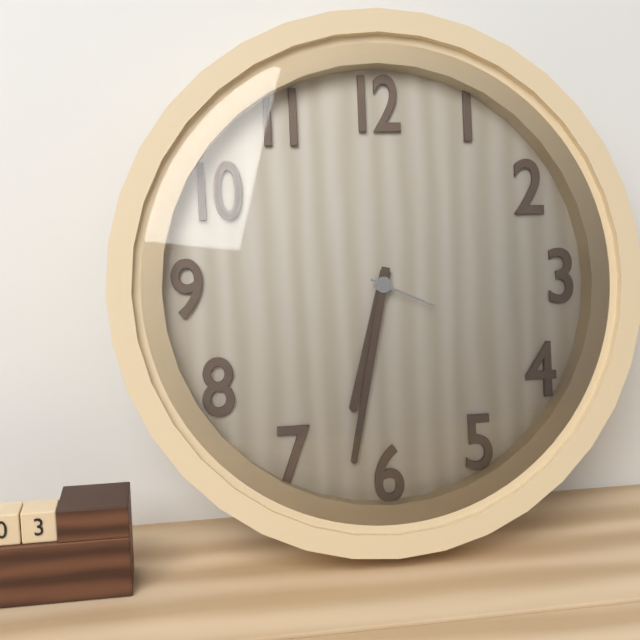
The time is 6,32,19
